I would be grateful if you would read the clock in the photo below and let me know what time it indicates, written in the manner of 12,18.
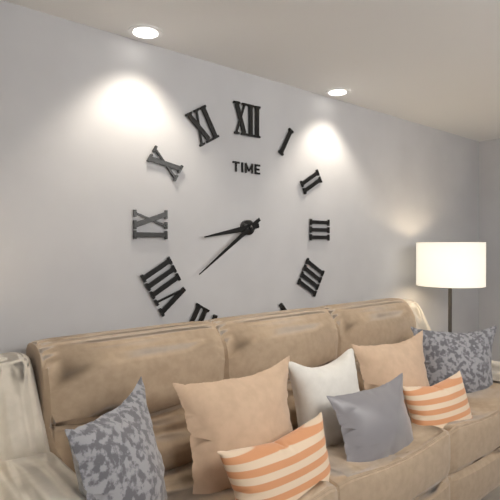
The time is 8,39
